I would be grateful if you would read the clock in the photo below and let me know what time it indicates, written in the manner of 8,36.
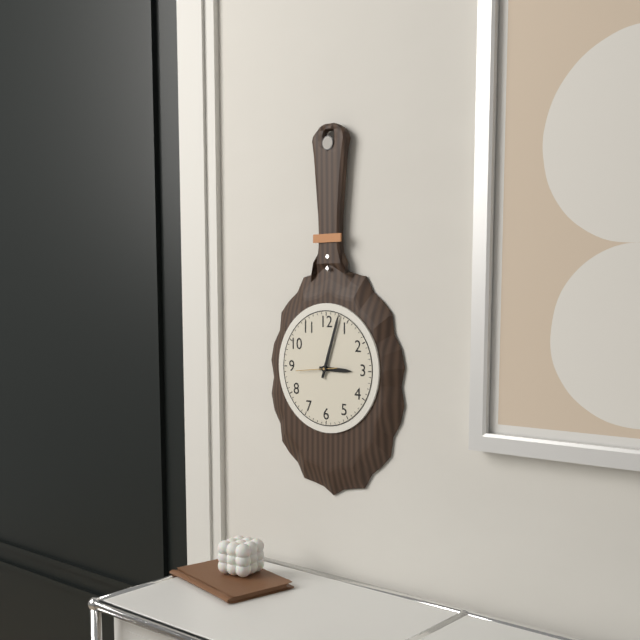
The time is 3,03
